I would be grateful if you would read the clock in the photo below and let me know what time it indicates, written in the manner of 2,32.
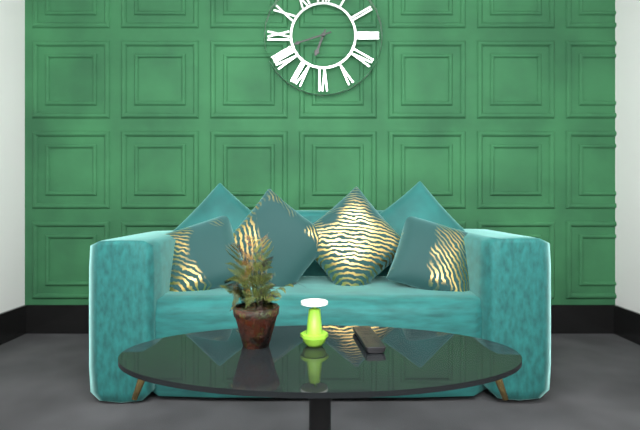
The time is 6,42
